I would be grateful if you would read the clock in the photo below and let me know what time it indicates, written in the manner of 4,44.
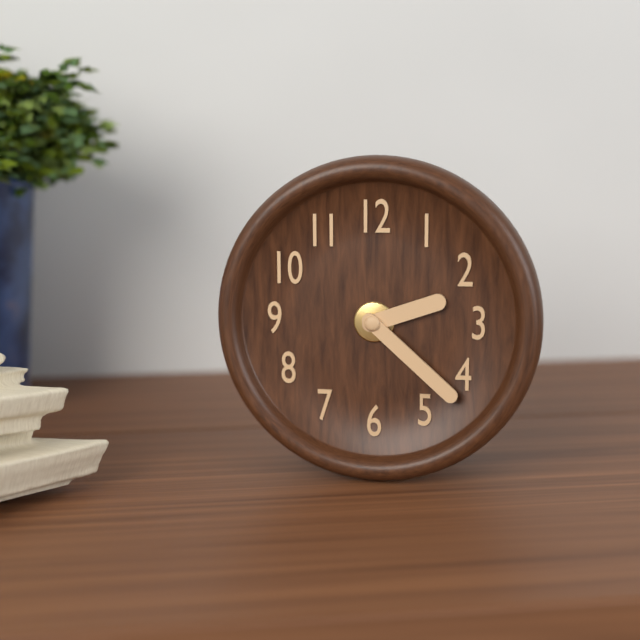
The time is 2,22
